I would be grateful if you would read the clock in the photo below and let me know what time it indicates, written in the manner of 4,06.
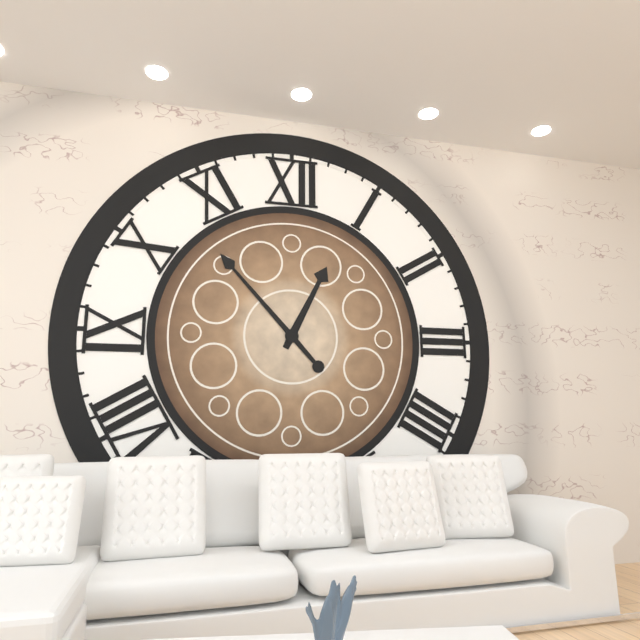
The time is 12,53
